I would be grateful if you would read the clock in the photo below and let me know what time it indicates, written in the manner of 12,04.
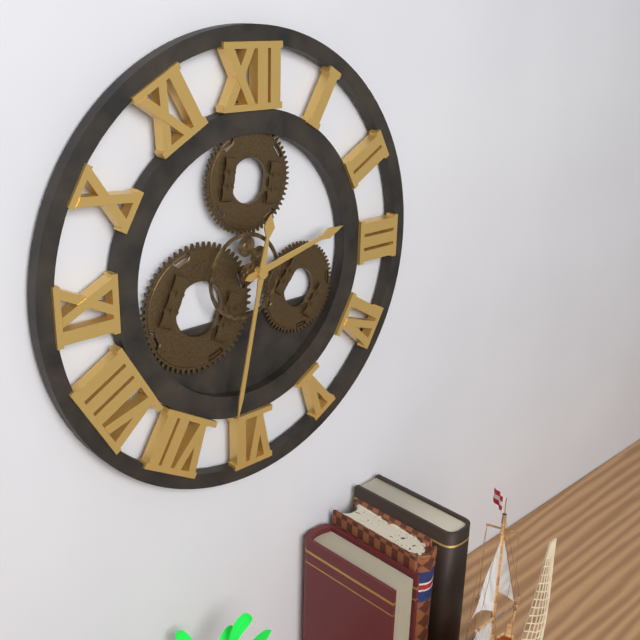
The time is 2,32
